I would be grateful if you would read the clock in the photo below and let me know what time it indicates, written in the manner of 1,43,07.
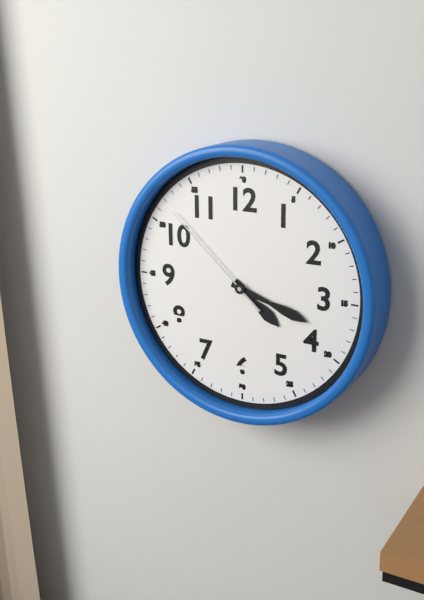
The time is 4,18,52
